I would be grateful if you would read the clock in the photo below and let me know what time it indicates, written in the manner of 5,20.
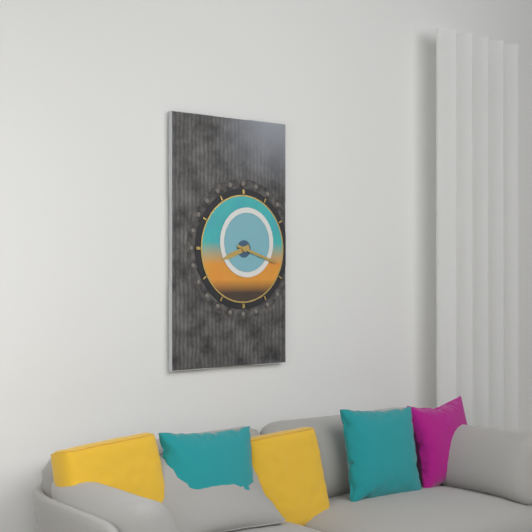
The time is 8,18
